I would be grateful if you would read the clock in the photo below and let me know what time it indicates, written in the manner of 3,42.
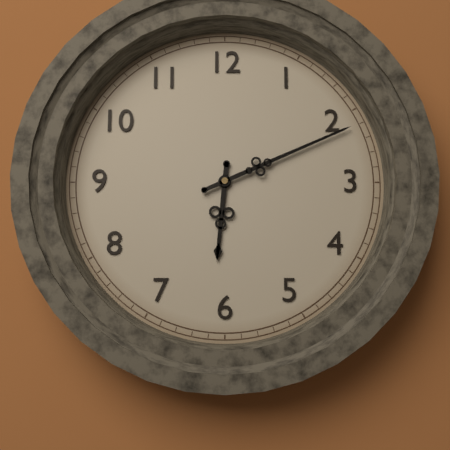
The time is 6,11
